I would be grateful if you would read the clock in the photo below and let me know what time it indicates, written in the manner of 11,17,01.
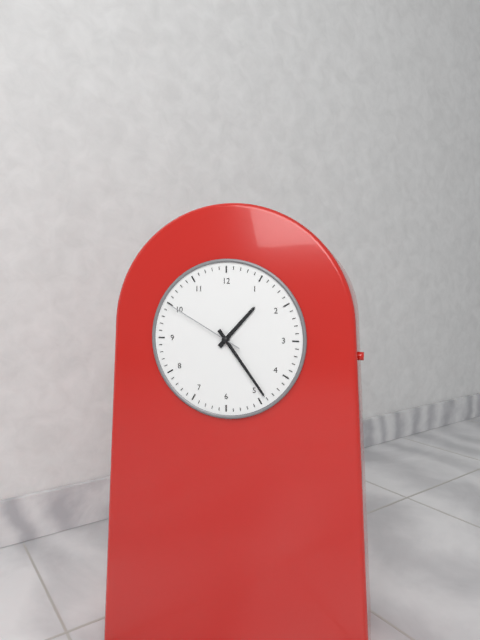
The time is 1,24,50
